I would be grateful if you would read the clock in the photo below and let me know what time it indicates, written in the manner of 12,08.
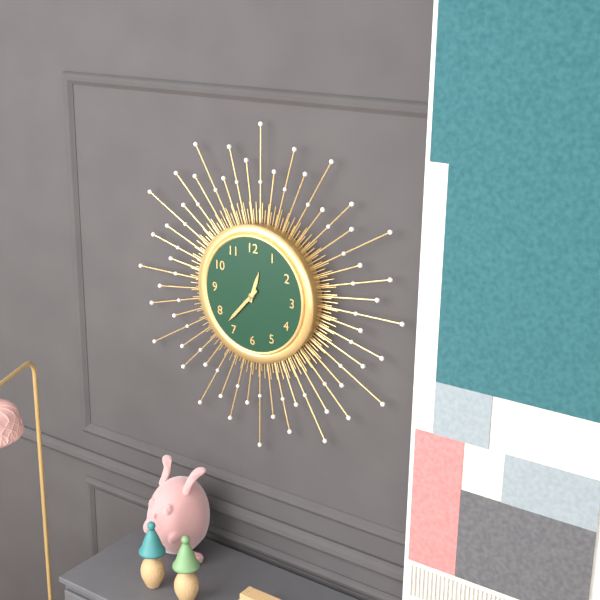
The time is 12,37
